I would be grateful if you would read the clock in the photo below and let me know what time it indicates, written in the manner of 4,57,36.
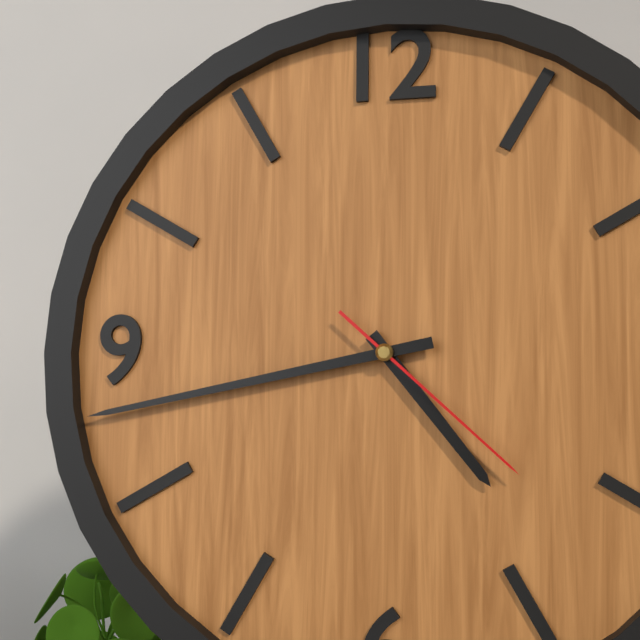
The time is 4,43,22
